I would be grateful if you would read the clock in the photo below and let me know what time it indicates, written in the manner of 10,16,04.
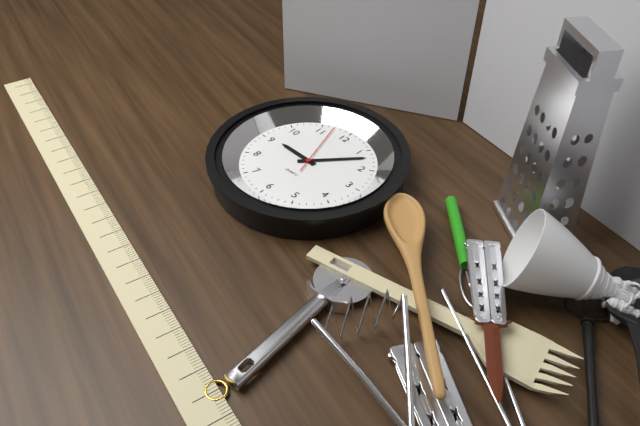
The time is 9,07,57
